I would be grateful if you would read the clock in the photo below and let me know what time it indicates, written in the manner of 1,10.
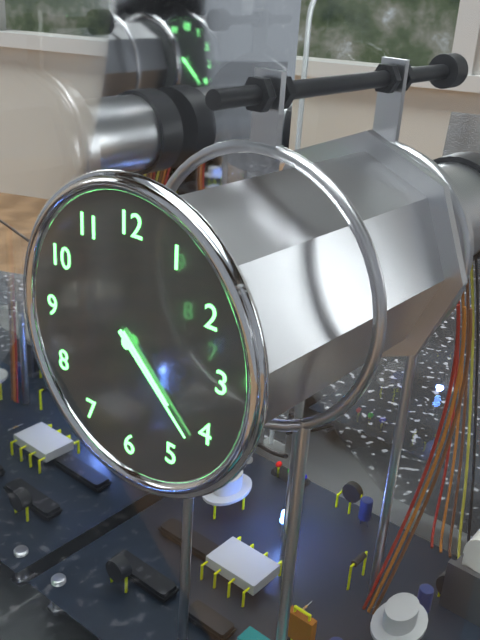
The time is 4,22
